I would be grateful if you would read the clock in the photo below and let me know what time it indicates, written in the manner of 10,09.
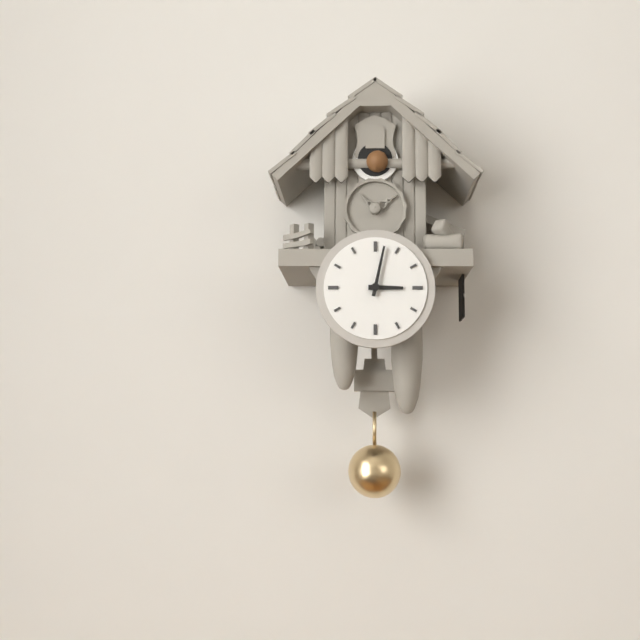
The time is 3,02
